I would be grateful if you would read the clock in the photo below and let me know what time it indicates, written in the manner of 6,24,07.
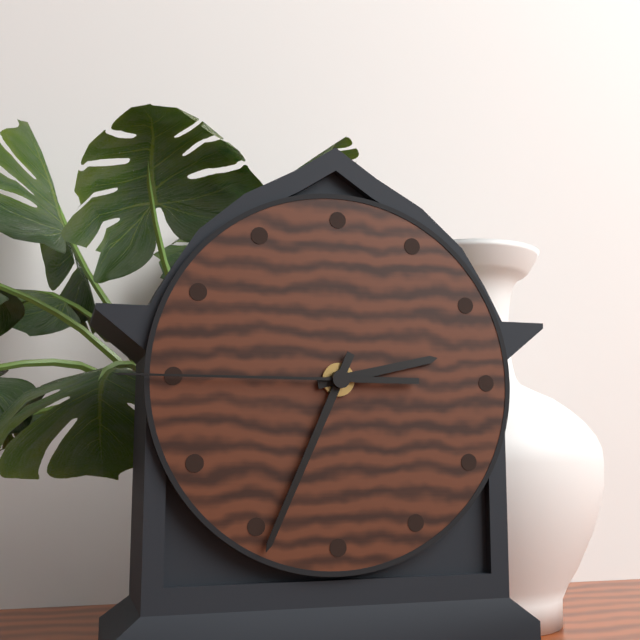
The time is 2,34,45
